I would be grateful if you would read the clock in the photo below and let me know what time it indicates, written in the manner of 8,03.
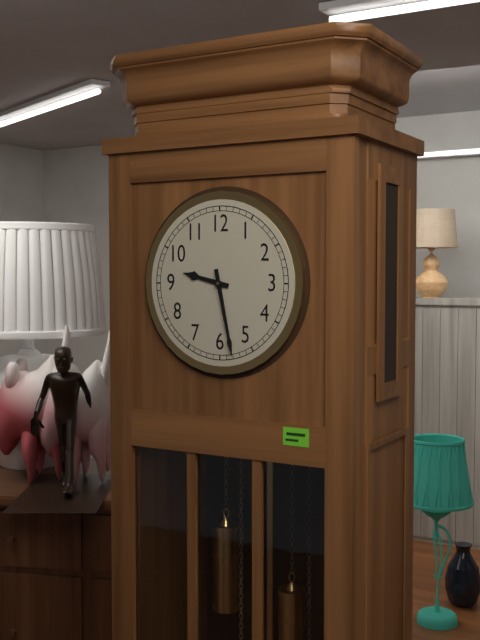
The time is 9,28
